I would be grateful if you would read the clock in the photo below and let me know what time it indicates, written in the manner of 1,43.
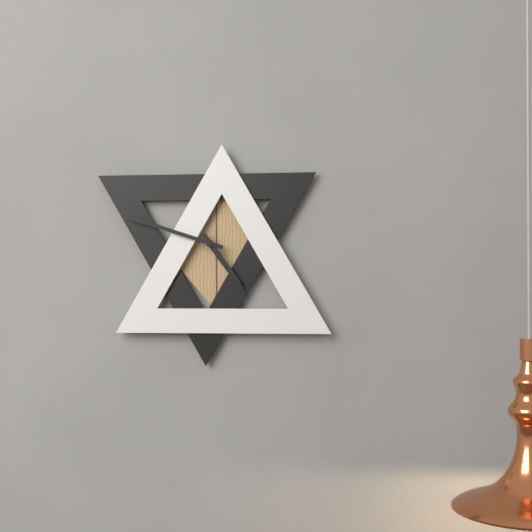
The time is 4,48
